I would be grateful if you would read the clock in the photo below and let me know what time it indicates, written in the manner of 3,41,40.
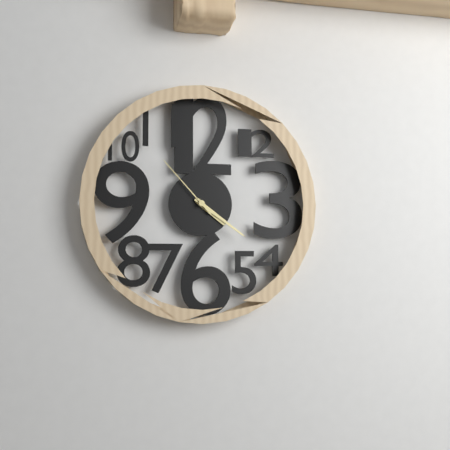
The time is 4,21,53
